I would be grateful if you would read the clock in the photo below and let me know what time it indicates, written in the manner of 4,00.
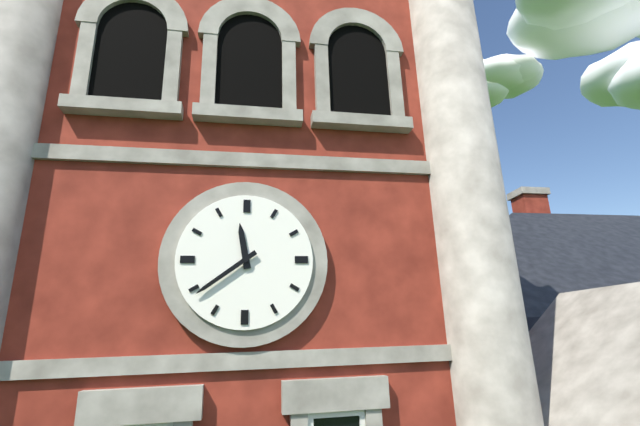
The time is 11,39
